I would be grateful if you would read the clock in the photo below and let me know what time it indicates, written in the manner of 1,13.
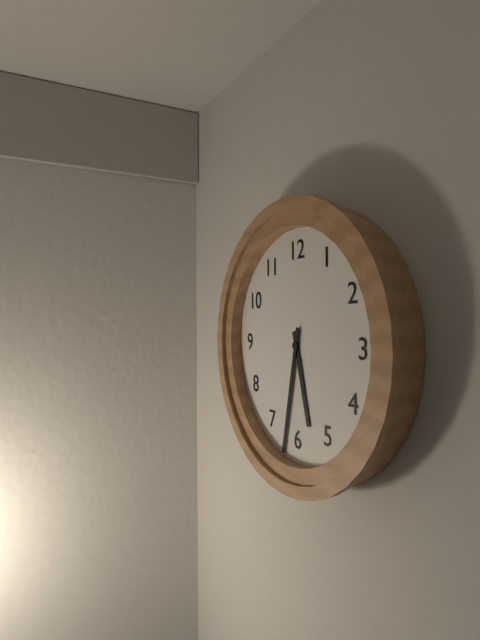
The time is 5,32
